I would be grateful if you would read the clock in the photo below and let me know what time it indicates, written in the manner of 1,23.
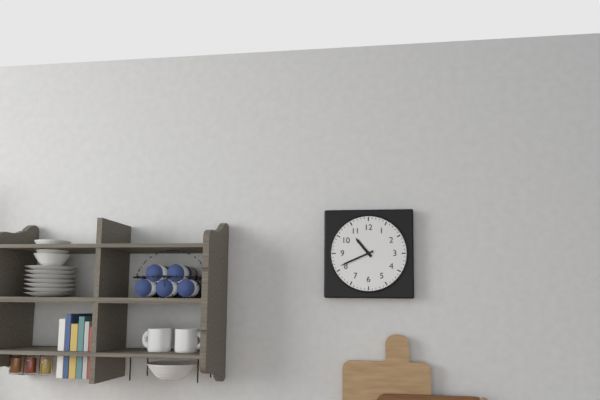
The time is 10,41
